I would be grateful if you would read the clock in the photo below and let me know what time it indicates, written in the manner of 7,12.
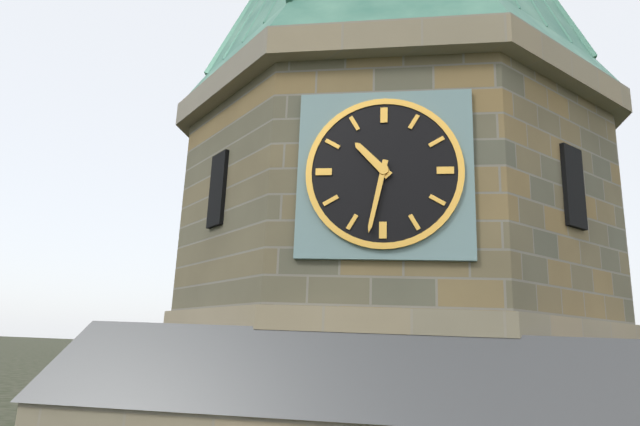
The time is 10,32
